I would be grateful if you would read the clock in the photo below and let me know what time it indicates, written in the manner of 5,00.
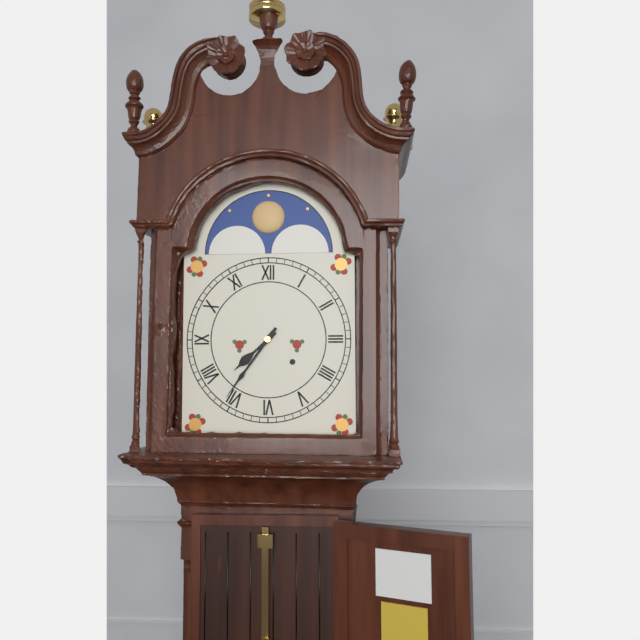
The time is 7,36
